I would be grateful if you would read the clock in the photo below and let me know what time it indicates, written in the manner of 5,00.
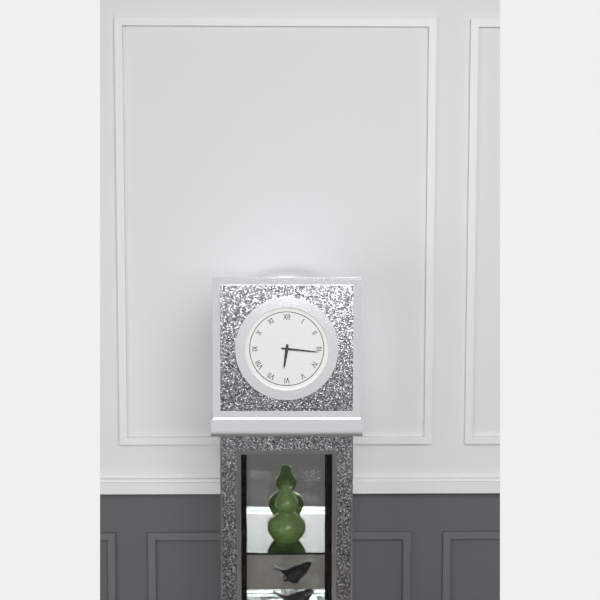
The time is 6,16
